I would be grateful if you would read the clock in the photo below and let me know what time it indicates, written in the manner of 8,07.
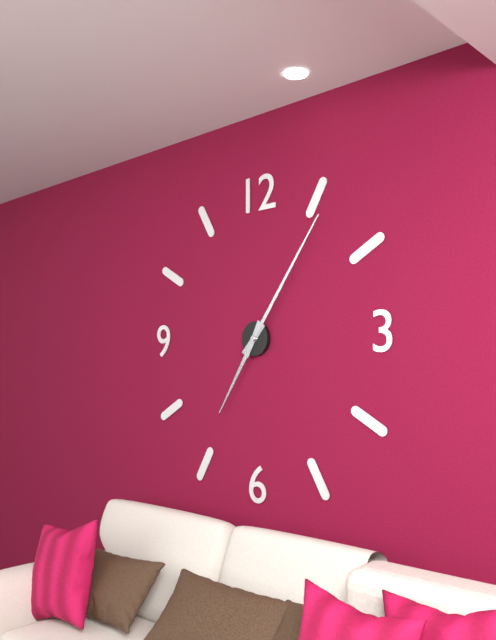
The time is 7,06
